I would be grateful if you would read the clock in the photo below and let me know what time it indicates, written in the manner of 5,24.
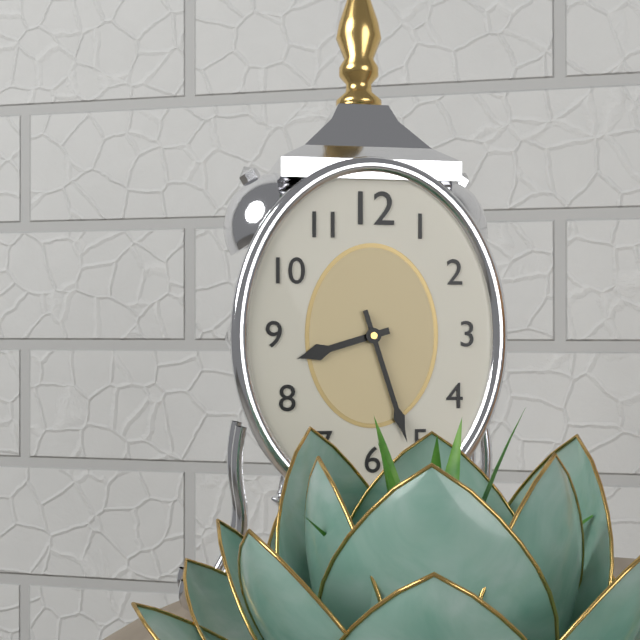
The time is 8,27
